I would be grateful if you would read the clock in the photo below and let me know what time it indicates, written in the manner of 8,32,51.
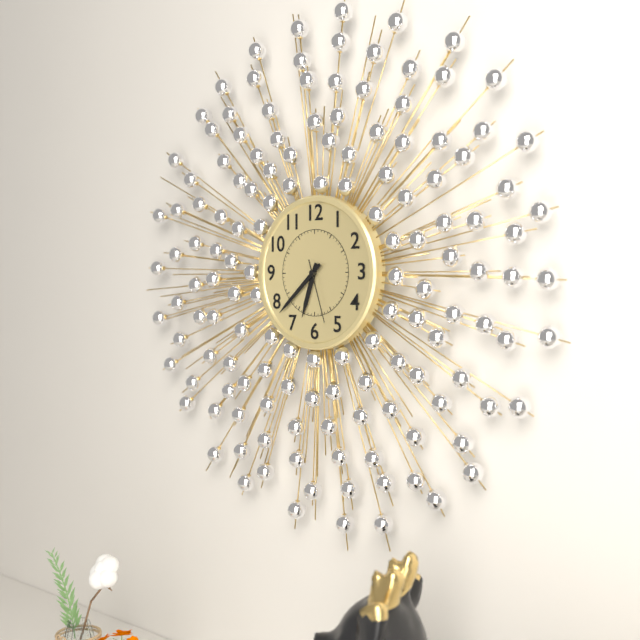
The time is 6,38,27
